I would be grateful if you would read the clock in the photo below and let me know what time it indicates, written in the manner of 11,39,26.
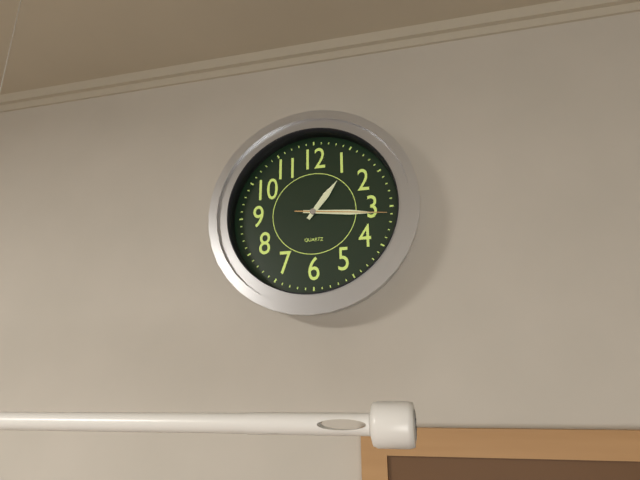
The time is 1,16,16
